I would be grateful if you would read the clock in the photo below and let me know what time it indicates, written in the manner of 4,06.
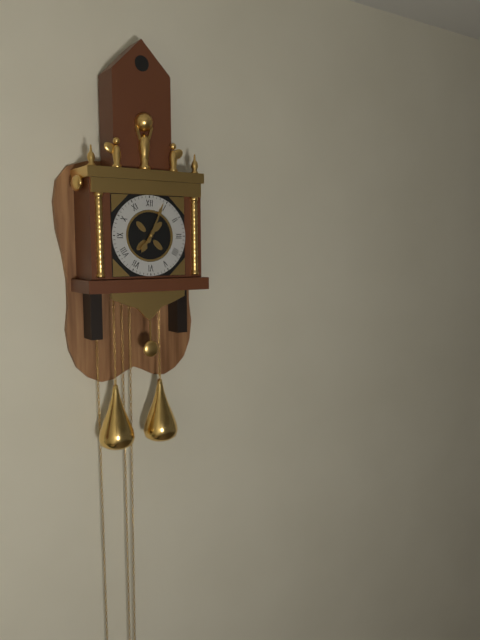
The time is 7,04
